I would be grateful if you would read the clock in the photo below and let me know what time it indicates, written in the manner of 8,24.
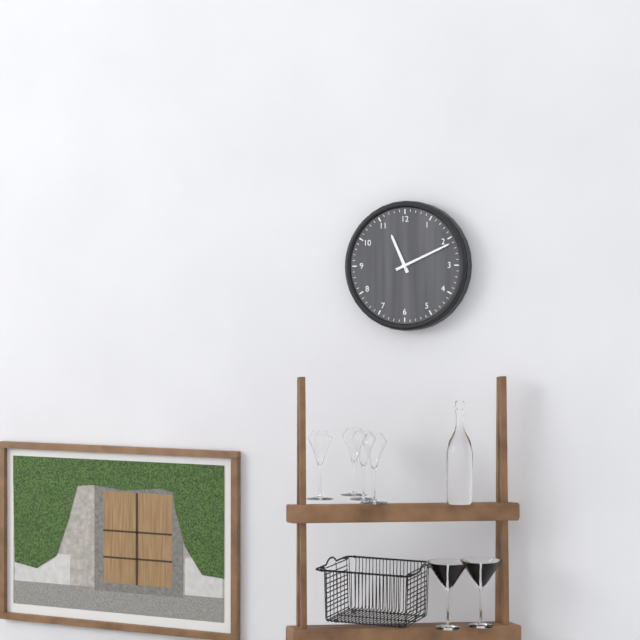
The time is 11,11
